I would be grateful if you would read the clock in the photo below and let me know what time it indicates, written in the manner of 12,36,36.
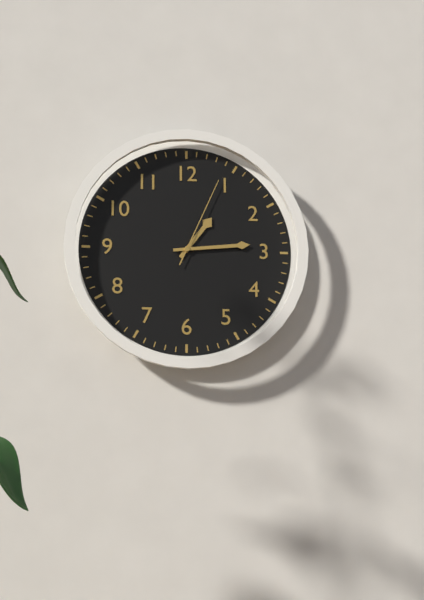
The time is 1,14,04
